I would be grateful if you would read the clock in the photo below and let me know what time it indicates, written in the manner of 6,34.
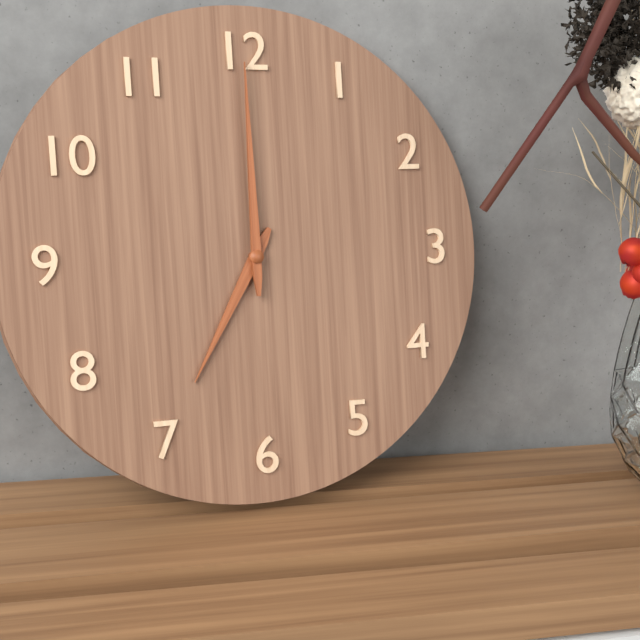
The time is 7,00
